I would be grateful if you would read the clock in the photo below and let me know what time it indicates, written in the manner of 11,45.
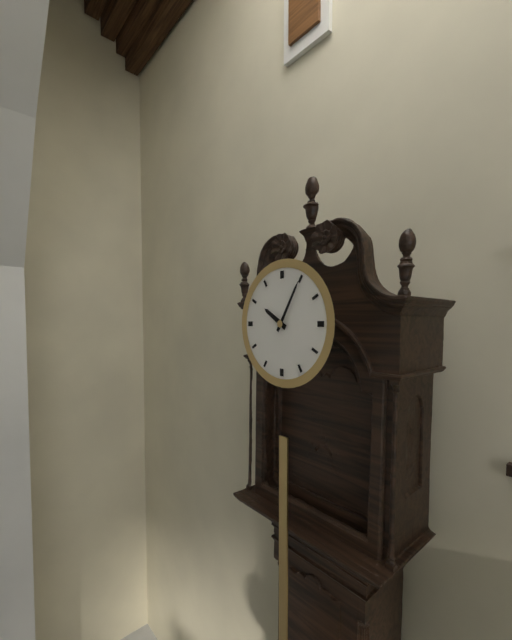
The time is 10,05
